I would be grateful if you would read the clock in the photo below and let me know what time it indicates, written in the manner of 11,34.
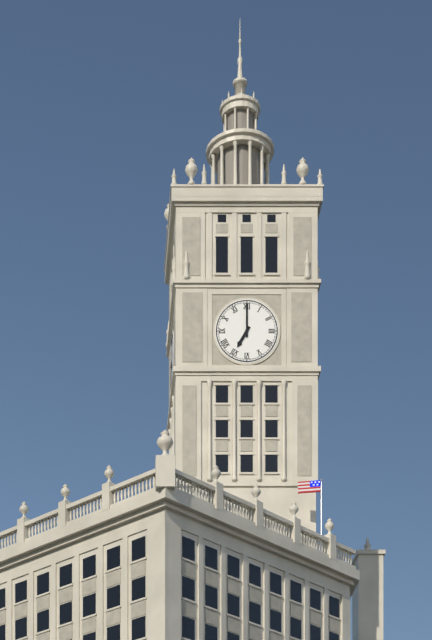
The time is 7,00
